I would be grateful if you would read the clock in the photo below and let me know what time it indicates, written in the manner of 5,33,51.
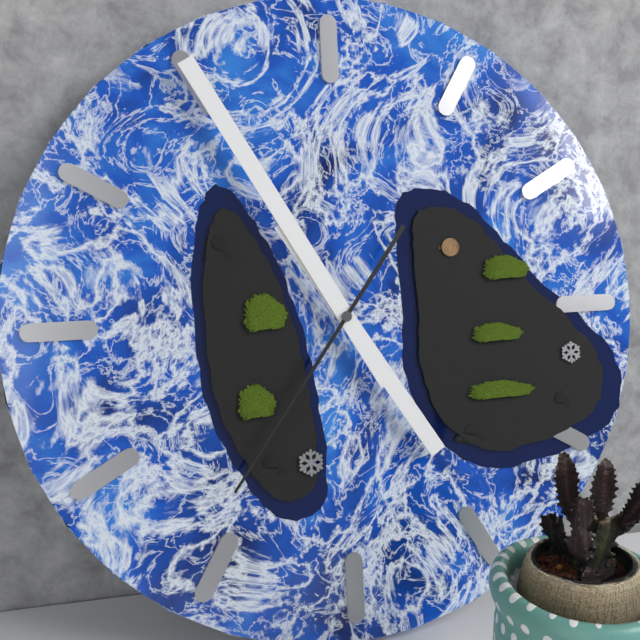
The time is 4,55,36
